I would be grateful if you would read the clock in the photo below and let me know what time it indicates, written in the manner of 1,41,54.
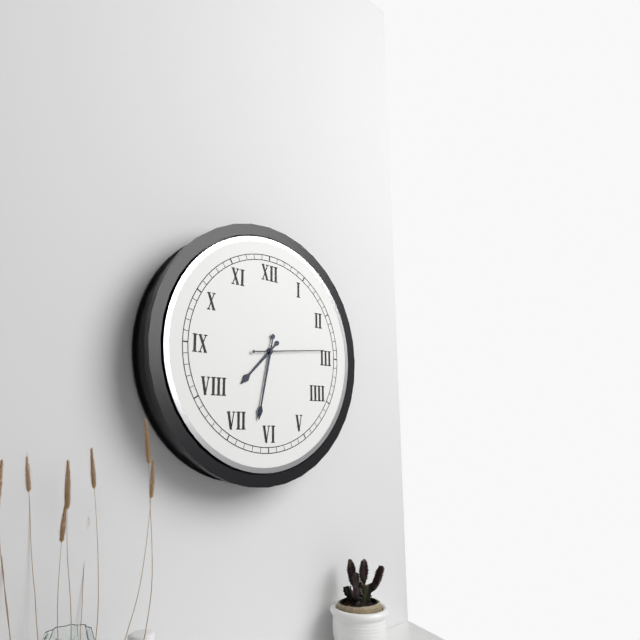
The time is 7,32,14
